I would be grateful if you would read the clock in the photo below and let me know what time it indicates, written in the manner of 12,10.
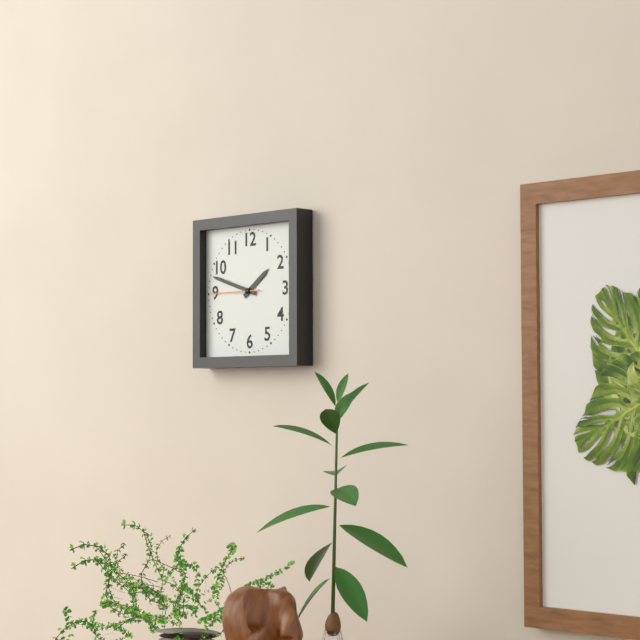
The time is 1,48
